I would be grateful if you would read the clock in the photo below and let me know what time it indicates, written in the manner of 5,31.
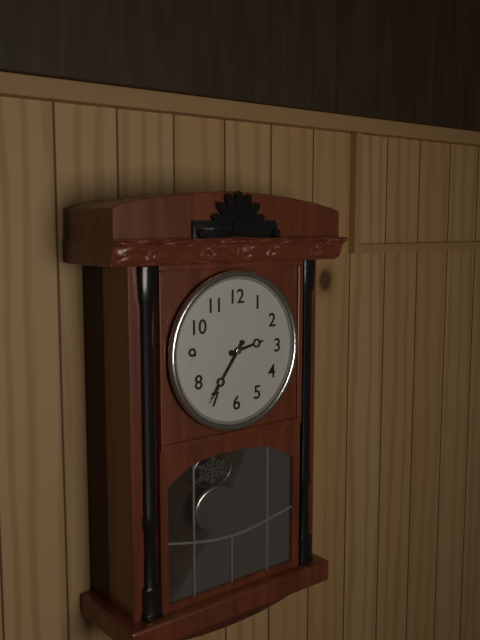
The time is 2,36
